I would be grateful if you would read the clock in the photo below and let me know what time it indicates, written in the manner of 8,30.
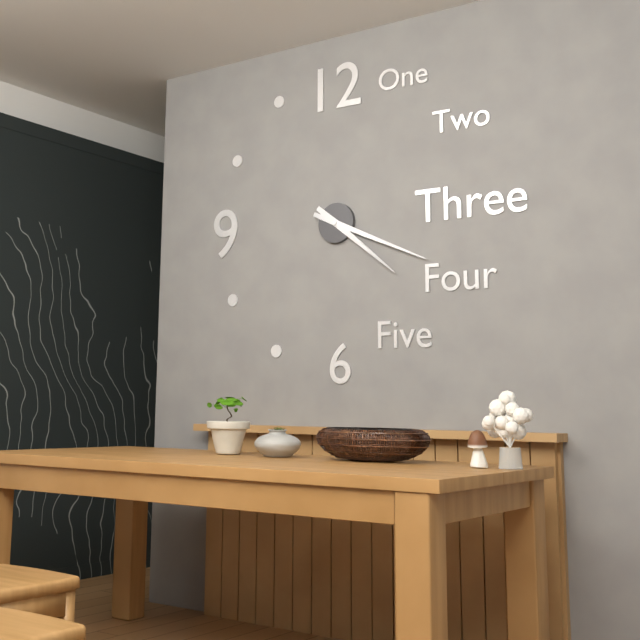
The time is 4,19
